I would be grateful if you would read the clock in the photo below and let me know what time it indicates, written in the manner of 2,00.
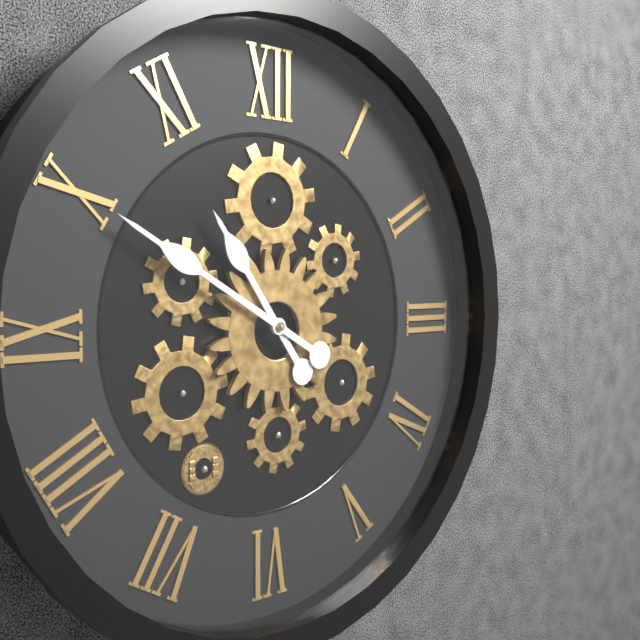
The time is 10,50
